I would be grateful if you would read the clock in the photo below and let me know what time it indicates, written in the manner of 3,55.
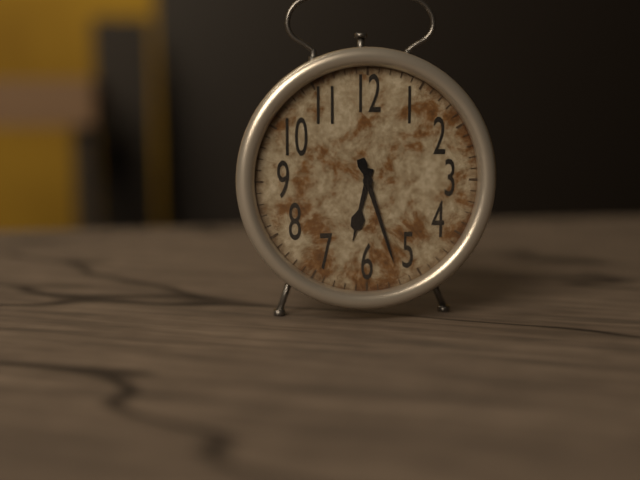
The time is 6,27
